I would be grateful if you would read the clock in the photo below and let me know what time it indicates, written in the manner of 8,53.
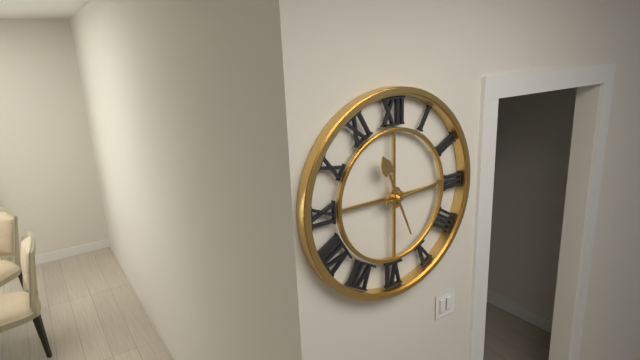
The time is 11,14
